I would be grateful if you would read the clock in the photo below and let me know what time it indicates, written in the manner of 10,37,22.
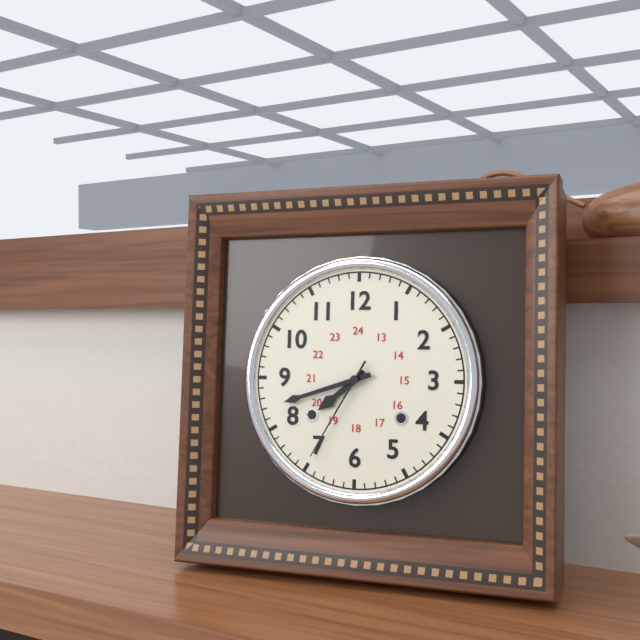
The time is 7,42,35
